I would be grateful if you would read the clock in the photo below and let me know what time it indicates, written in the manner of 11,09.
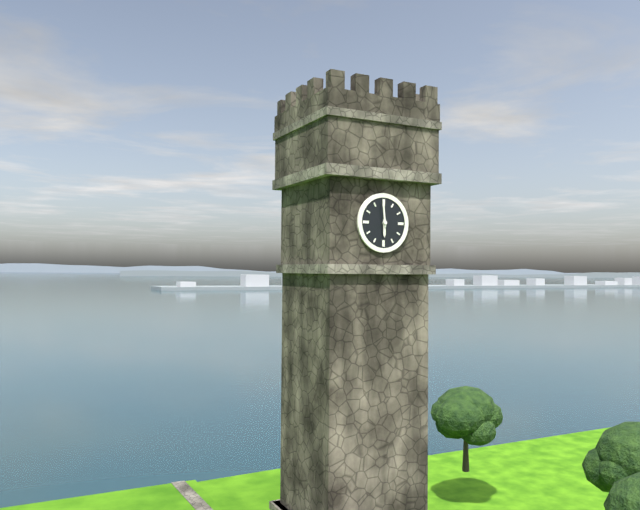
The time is 5,59
